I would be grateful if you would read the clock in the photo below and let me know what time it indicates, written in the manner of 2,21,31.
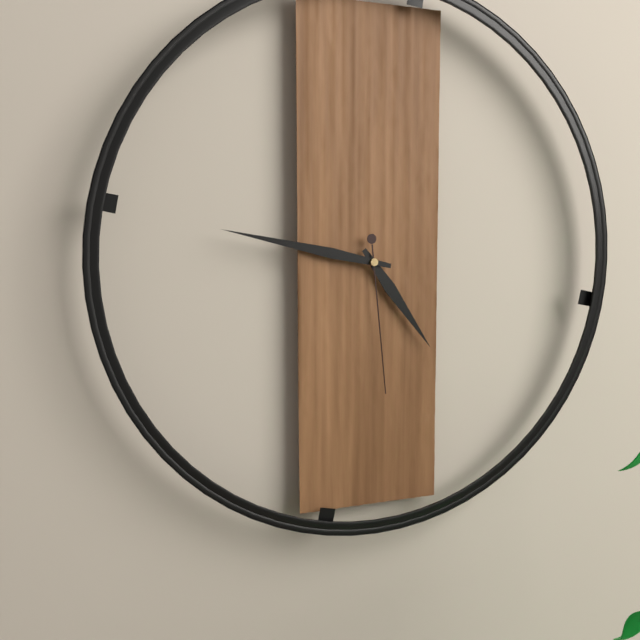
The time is 4,47,29
